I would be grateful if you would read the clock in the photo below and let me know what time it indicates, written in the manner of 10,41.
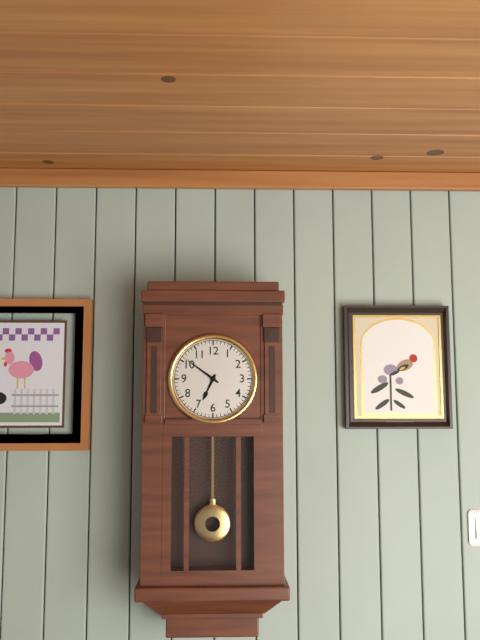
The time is 6,51
